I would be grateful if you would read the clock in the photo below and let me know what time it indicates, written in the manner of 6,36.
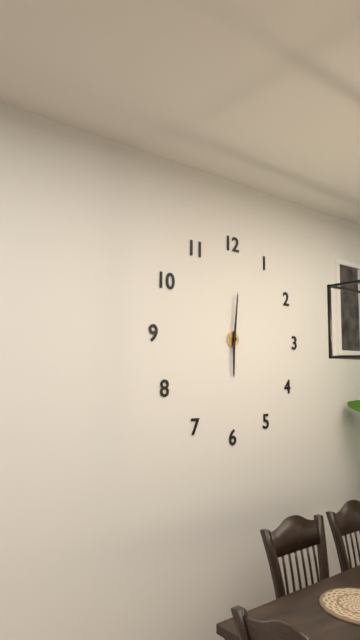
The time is 6,01
